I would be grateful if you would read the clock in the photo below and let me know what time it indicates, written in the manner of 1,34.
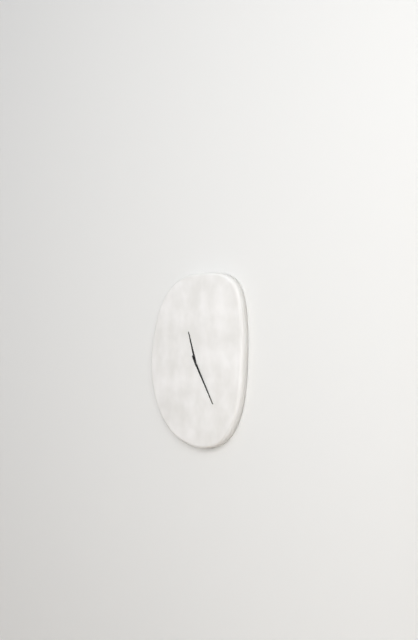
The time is 11,25
